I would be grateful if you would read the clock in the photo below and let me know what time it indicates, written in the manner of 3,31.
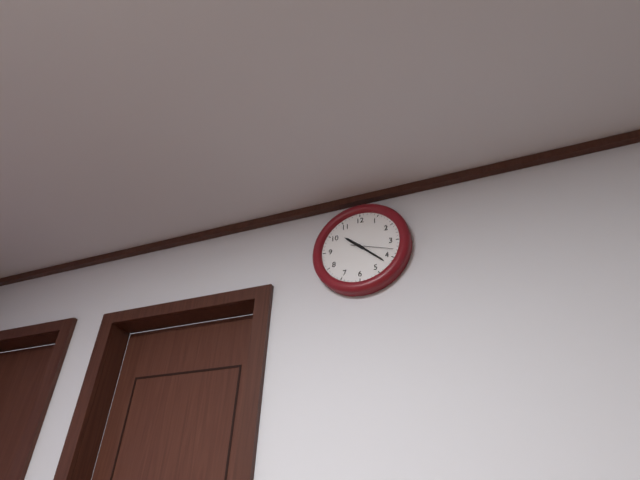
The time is 10,22
